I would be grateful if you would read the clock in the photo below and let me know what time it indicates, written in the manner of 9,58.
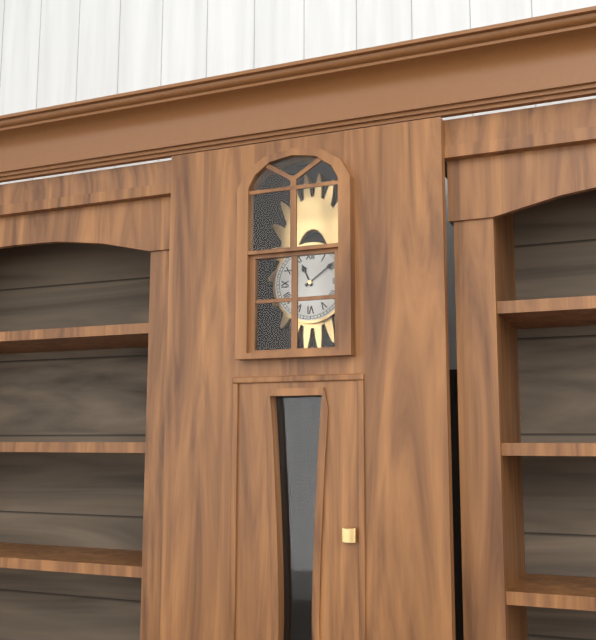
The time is 11,09
